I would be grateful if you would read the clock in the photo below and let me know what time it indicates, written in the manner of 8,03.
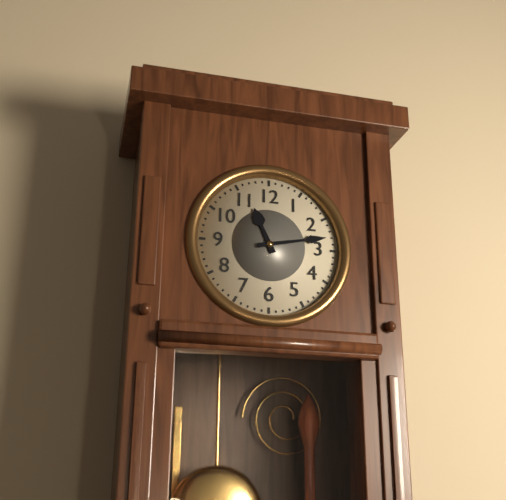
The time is 11,13
